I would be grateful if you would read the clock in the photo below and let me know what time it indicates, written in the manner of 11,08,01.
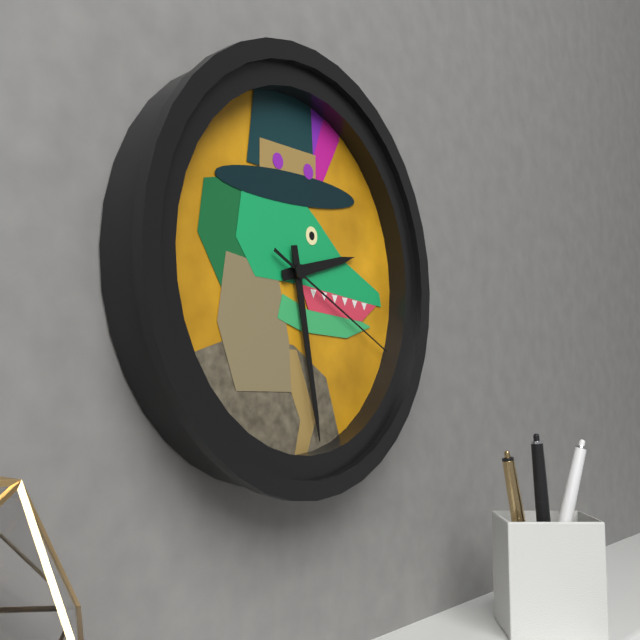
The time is 2,28,19
